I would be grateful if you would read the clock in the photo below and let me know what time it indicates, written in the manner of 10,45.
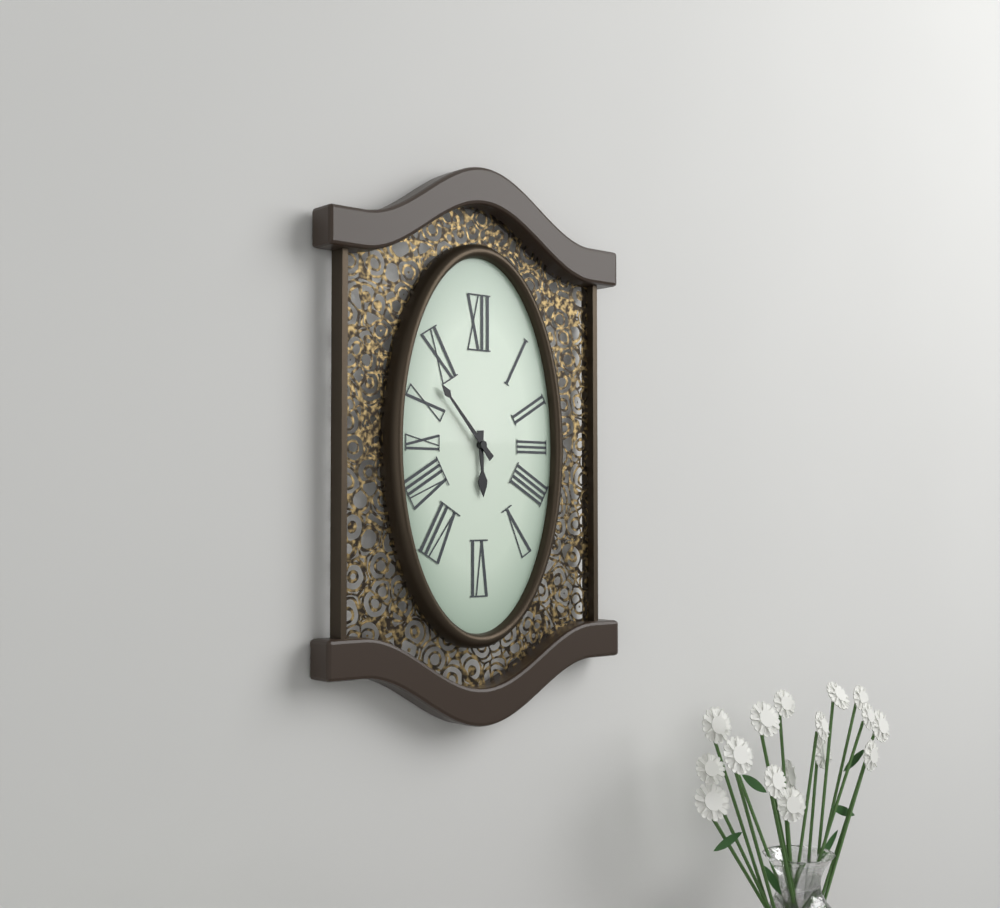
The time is 5,53
